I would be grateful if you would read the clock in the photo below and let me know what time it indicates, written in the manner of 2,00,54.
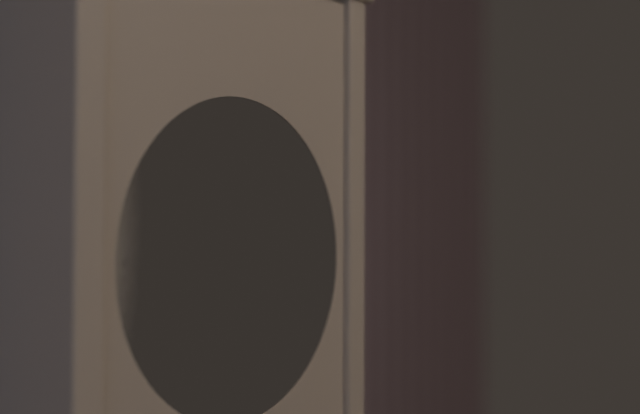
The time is 1,54,42
